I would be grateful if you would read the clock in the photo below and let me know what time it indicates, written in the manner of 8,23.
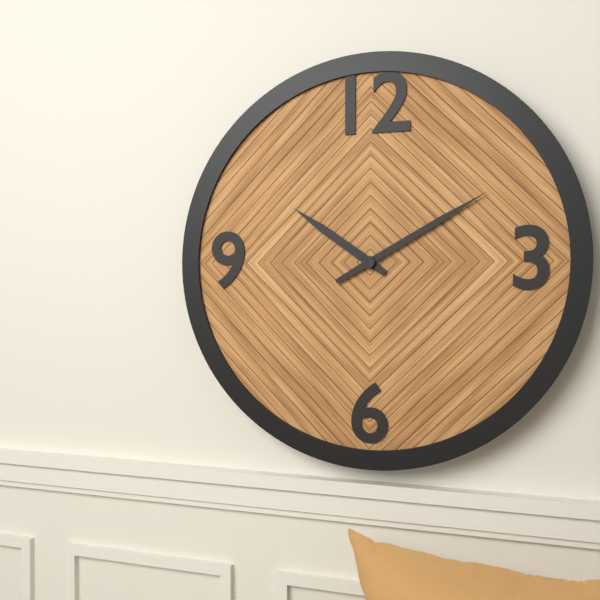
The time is 10,10
